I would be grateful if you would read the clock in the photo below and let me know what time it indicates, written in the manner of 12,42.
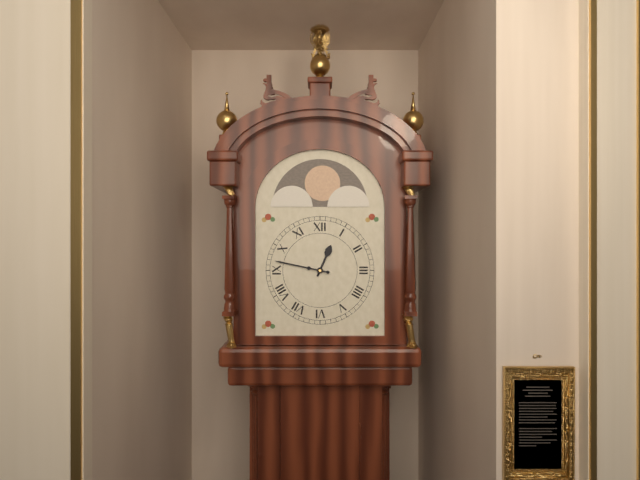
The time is 12,47
